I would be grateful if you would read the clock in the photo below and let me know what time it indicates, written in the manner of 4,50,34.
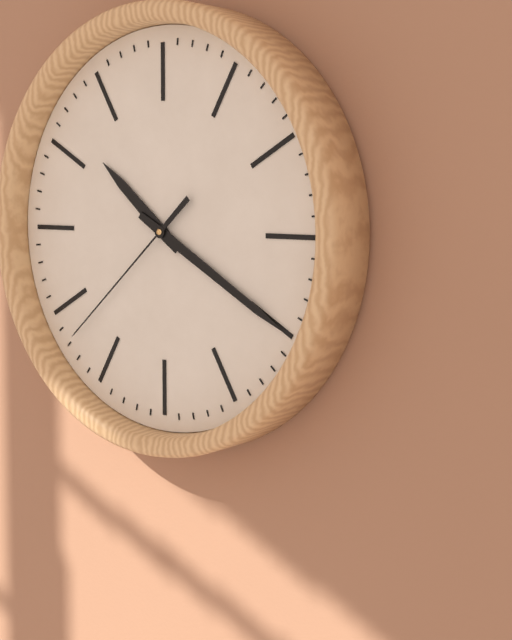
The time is 10,20,38
